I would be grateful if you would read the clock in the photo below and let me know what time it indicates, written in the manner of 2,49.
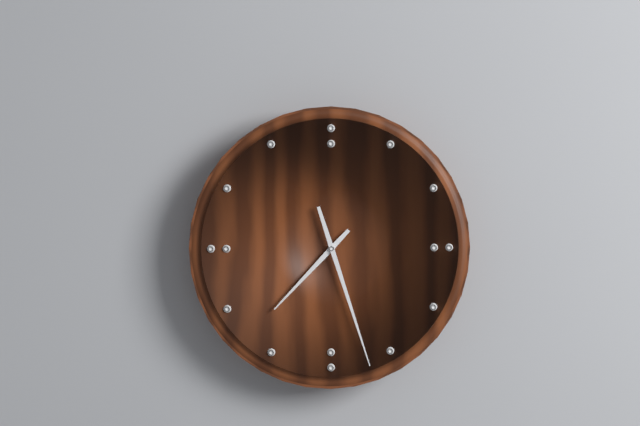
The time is 7,27
